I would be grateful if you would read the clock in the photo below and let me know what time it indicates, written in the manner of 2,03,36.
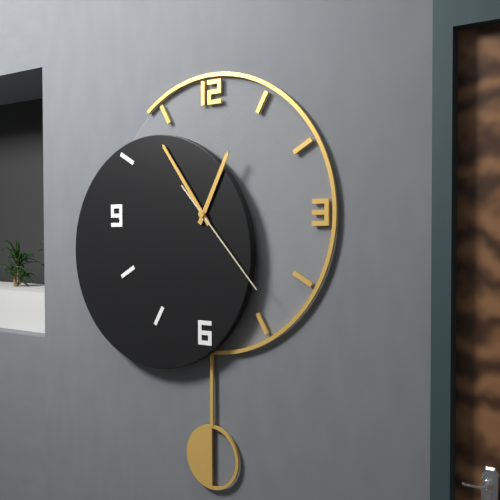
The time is 12,54,23
